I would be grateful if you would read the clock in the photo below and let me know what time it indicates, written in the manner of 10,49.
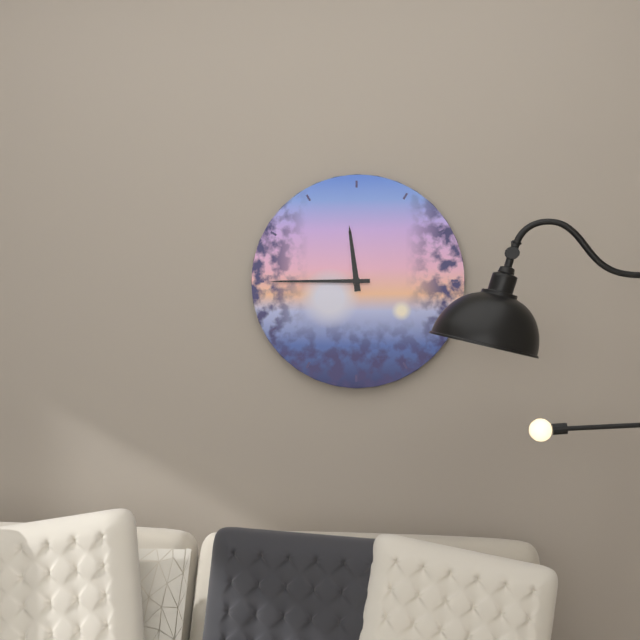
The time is 11,45
